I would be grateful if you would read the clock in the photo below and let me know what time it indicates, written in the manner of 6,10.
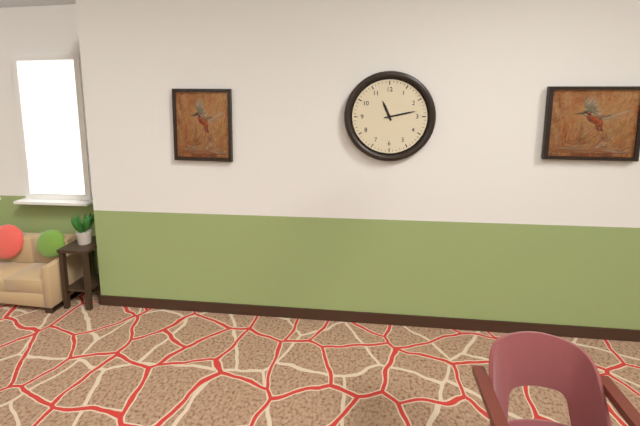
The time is 11,13
